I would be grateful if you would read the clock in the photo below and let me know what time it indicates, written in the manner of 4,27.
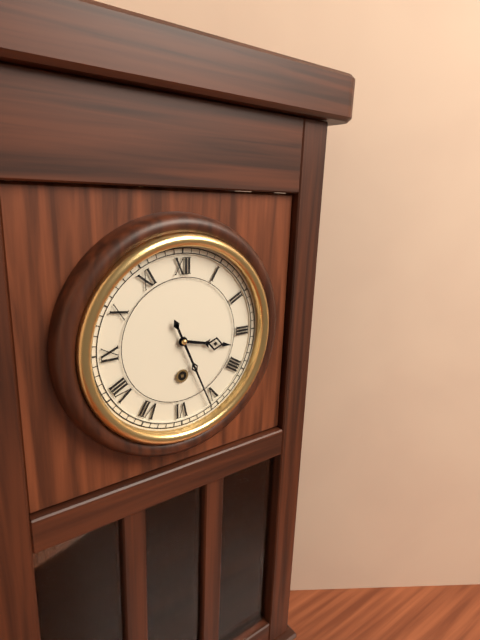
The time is 3,26
